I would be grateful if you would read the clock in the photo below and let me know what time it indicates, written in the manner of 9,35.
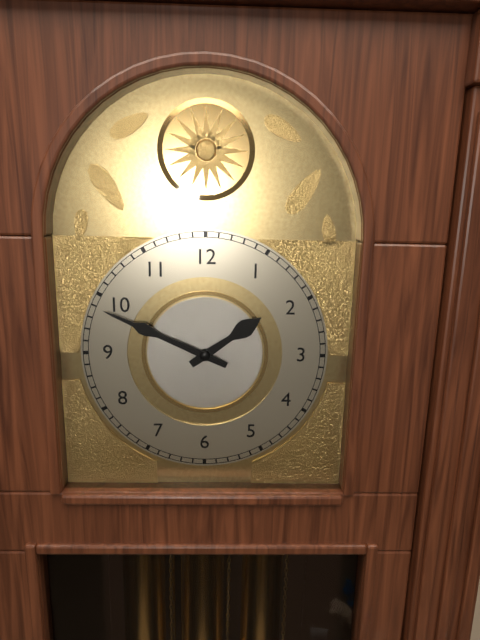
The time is 1,49
